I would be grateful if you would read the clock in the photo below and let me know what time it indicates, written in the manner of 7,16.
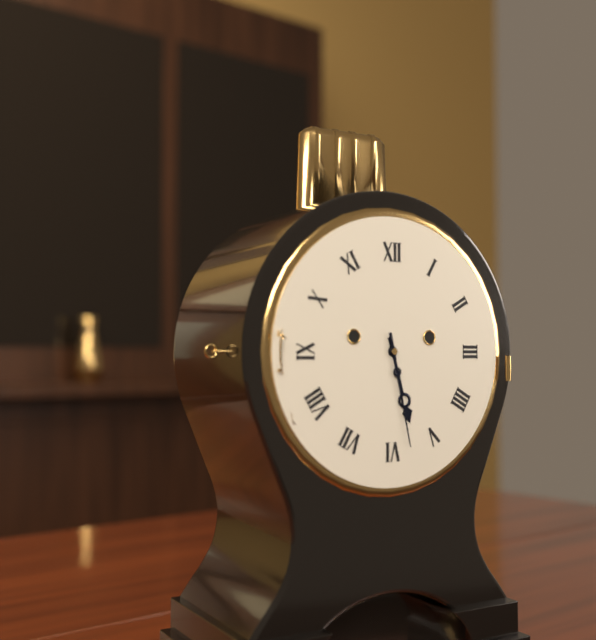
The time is 5,28
